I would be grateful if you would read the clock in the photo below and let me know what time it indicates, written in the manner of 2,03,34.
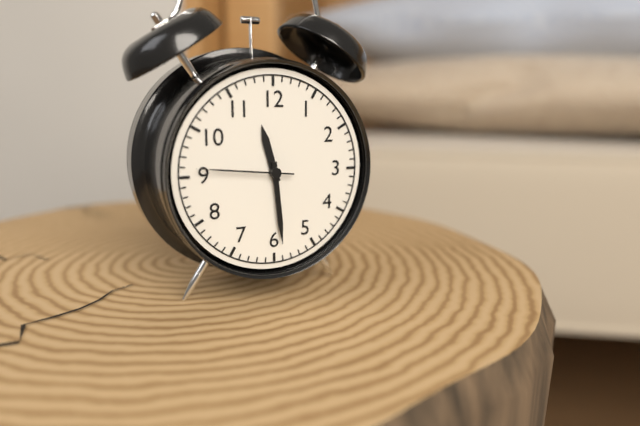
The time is 11,29,46
